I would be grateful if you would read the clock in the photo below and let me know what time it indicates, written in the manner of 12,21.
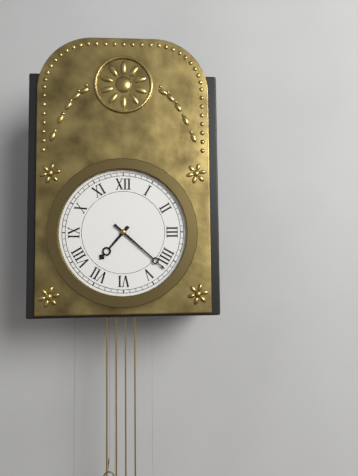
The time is 7,22
